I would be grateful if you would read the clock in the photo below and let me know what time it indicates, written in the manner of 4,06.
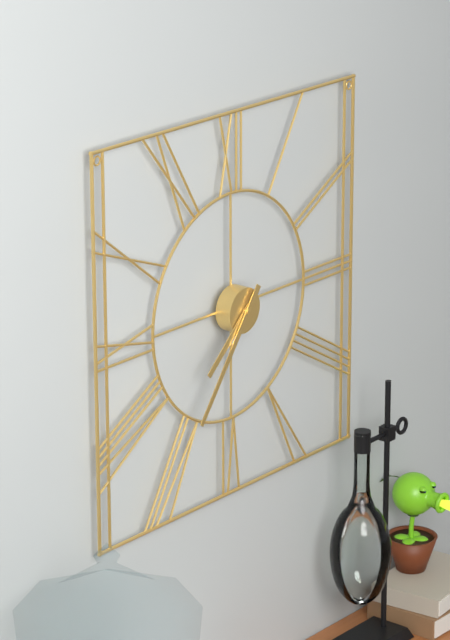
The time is 7,36
